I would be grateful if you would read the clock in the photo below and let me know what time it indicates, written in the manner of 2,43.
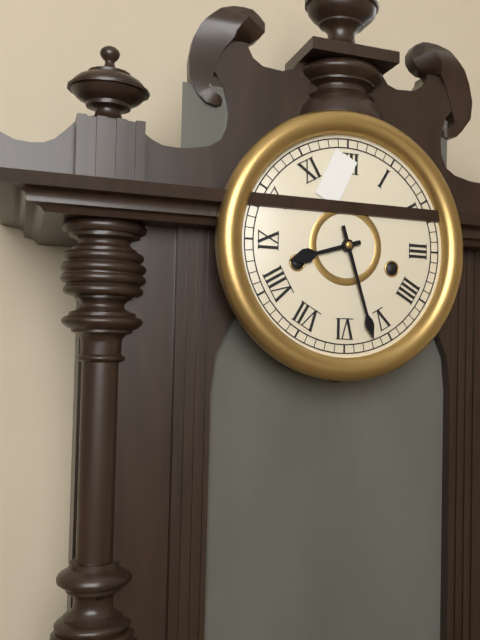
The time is 8,27
